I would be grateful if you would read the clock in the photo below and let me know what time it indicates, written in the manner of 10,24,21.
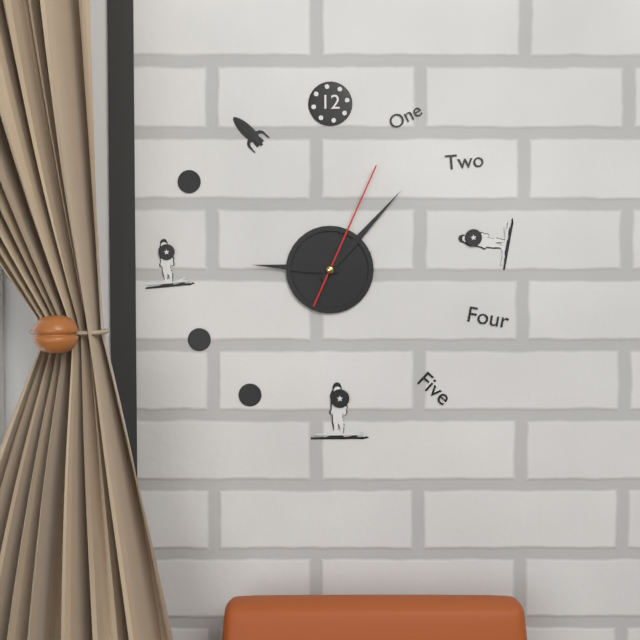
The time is 9,07,04
